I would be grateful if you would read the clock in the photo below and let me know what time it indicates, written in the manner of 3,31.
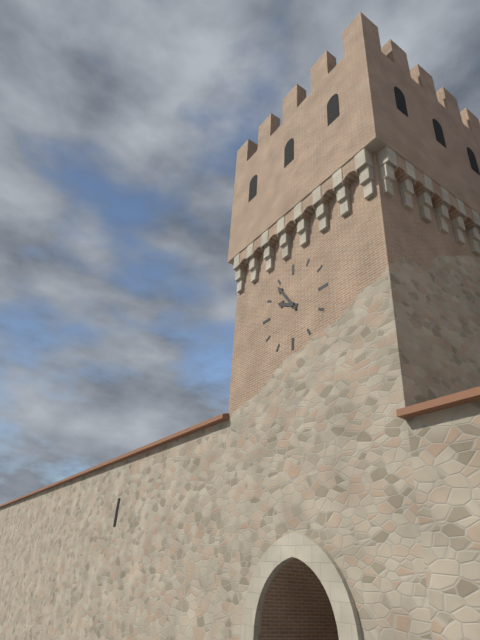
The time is 9,54
